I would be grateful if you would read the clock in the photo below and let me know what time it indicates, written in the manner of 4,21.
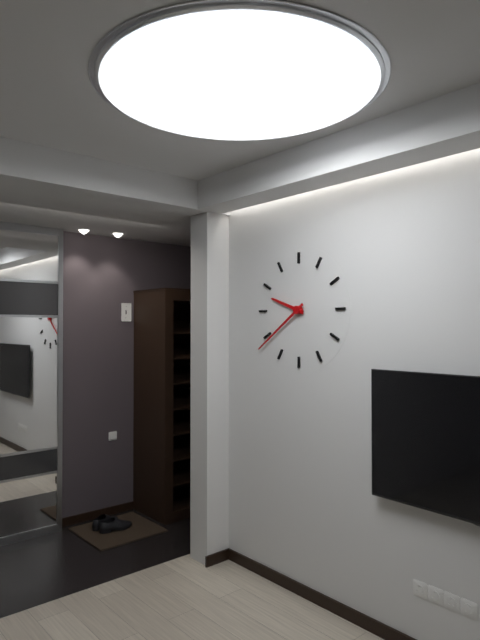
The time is 9,39
